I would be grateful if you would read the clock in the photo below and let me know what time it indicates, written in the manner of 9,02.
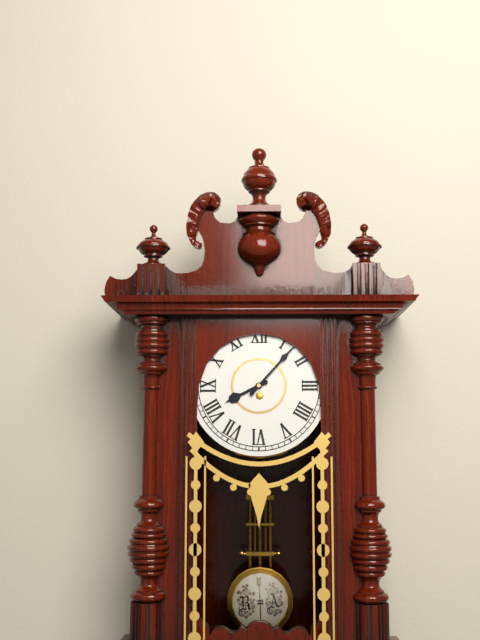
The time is 8,07
